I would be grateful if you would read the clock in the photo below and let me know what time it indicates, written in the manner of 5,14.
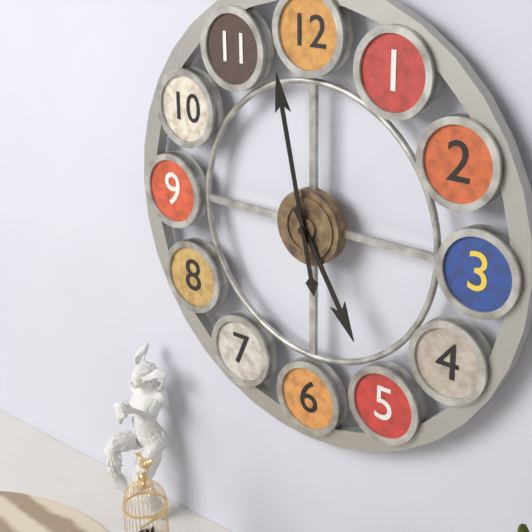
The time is 4,58
